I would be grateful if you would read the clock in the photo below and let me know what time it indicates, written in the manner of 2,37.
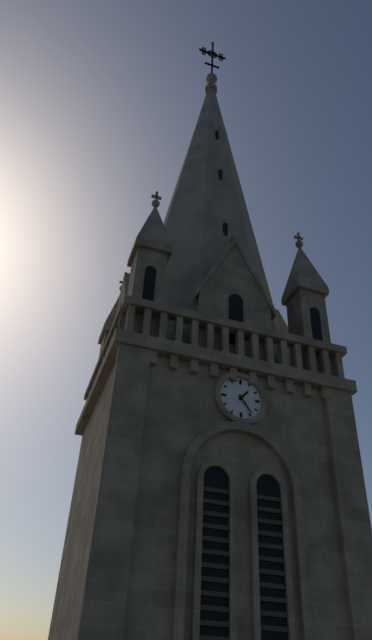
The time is 1,24
